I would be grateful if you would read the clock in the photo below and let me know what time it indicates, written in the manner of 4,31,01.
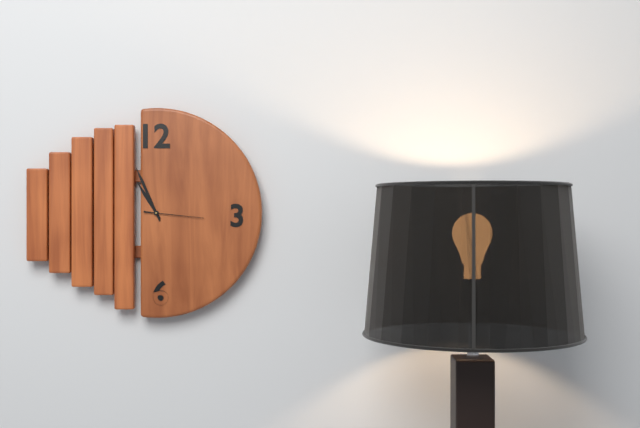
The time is 10,56,16
